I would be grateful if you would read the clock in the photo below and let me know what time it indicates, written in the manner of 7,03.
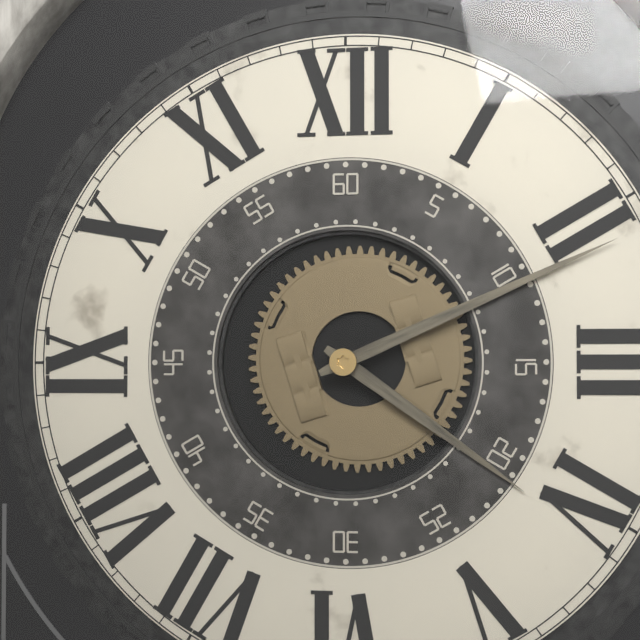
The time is 4,11
